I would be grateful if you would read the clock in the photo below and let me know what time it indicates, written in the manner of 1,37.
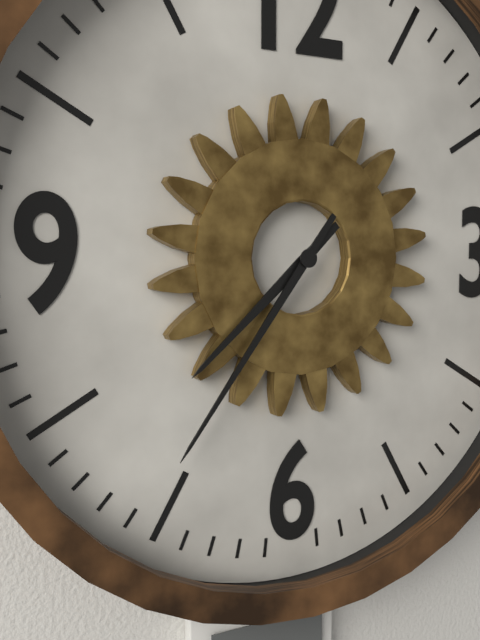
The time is 7,36
